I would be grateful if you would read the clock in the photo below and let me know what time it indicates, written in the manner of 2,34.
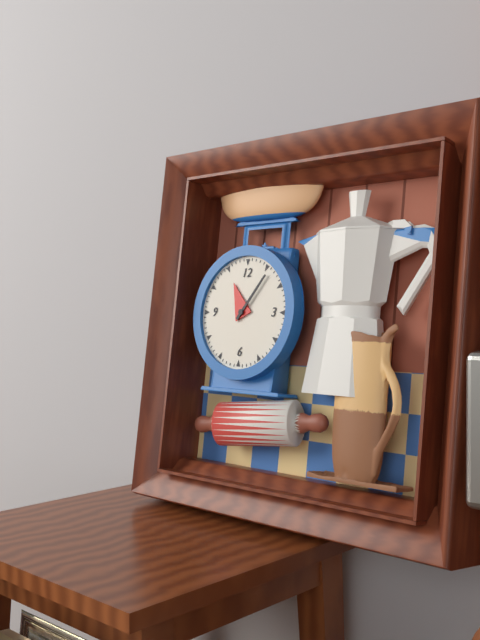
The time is 11,06
